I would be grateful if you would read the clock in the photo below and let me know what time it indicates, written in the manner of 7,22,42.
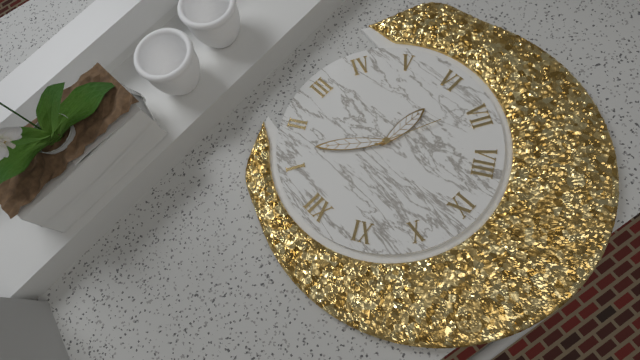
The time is 6,07,34
